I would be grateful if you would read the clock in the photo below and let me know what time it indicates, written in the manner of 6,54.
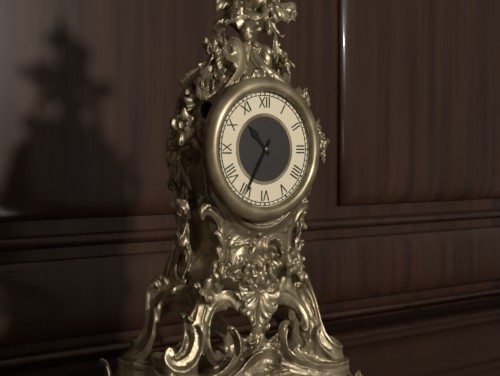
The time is 10,35
